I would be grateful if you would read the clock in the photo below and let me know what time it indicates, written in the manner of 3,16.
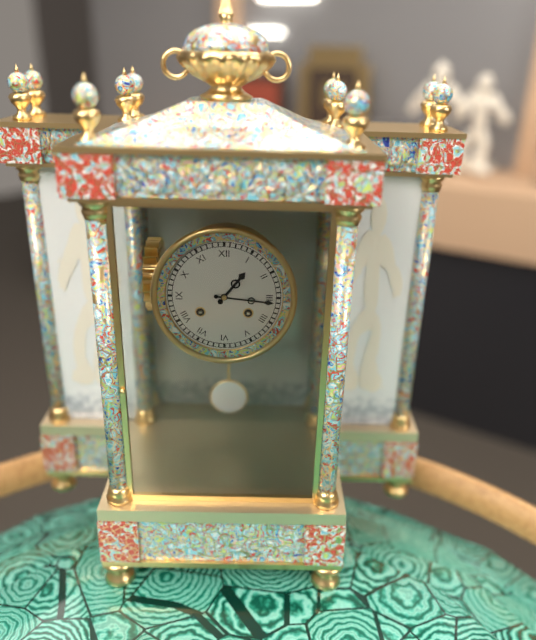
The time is 1,16
